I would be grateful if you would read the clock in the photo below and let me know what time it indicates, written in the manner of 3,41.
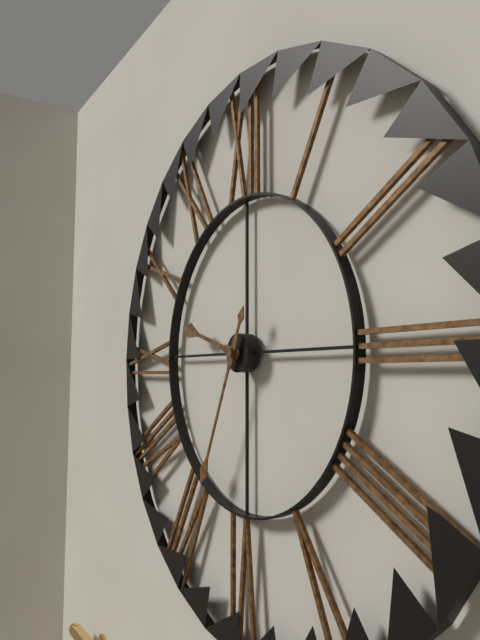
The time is 9,34
